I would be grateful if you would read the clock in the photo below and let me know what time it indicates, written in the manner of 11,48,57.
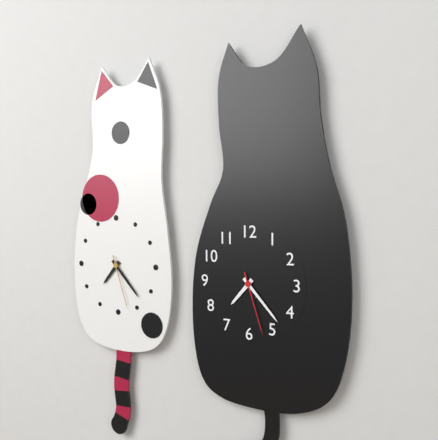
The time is 7,23,27
